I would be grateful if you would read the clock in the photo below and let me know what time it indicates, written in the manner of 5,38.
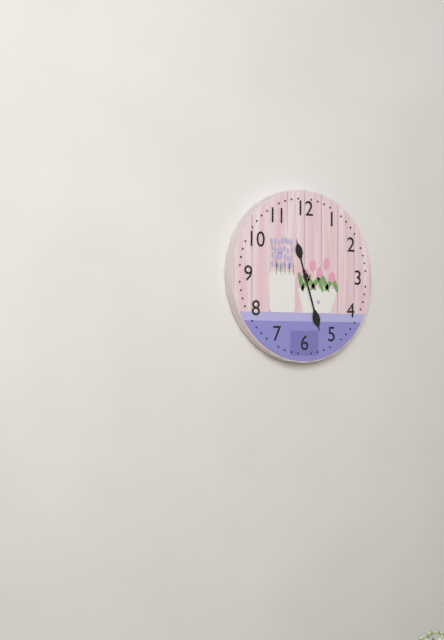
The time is 11,27
